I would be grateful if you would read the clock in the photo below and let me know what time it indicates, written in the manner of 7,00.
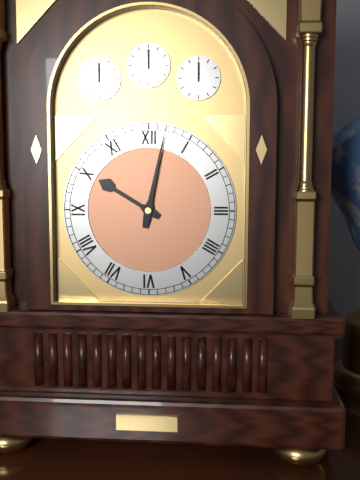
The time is 10,02
